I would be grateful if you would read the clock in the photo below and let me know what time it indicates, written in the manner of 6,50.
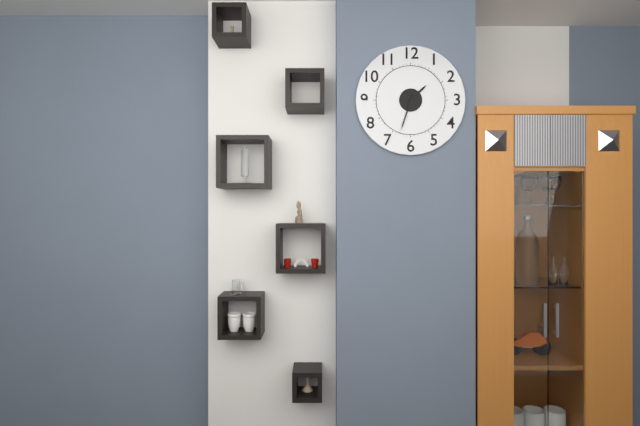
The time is 1,33
